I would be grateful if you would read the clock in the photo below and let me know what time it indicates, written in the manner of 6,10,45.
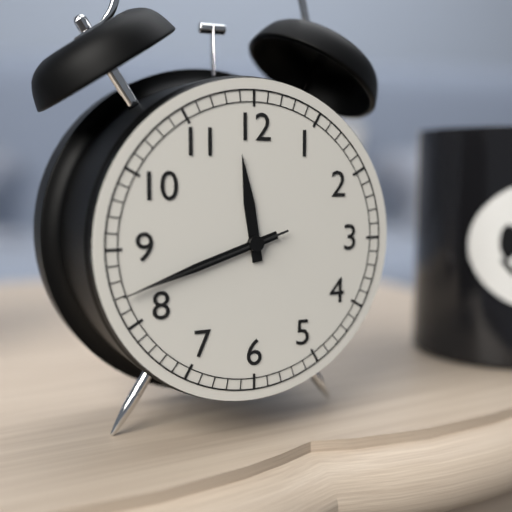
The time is 11,42,42
